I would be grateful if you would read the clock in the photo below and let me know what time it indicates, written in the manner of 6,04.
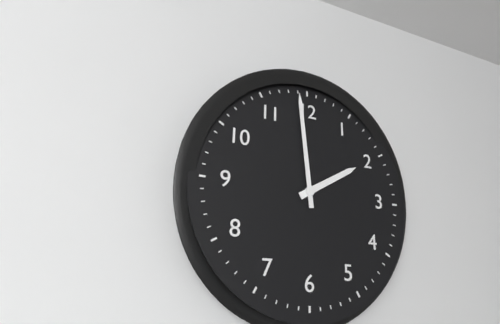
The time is 1,59
